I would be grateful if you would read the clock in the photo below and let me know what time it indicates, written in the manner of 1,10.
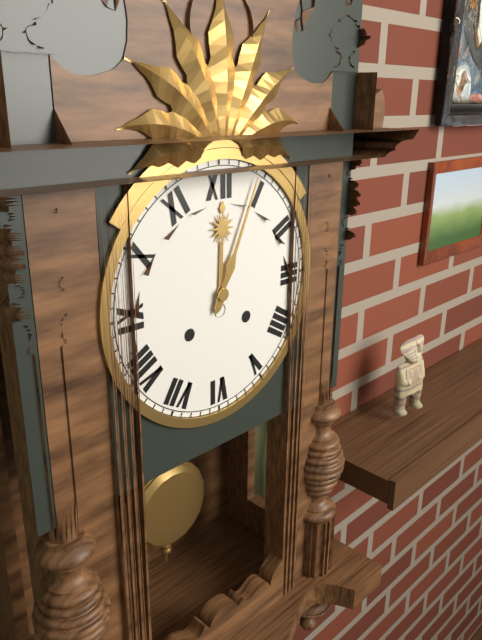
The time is 12,04
